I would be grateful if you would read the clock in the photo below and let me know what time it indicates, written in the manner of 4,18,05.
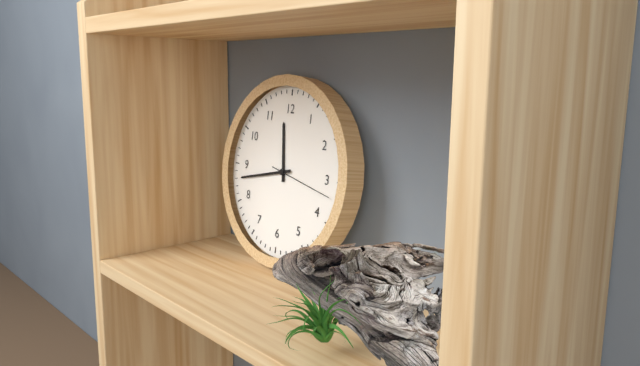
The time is 11,43,17
